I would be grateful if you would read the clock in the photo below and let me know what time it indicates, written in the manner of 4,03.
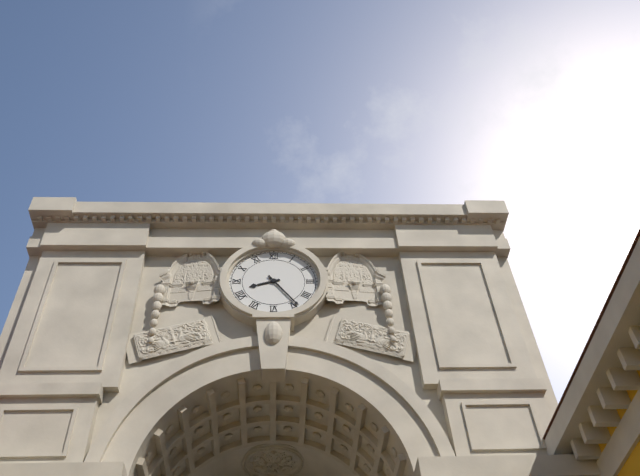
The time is 8,24
